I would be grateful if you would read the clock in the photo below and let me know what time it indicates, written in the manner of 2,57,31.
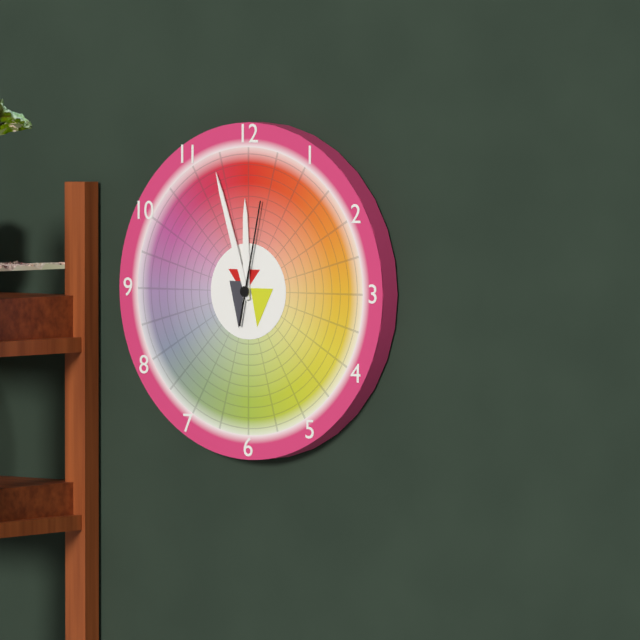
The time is 11,57,02
